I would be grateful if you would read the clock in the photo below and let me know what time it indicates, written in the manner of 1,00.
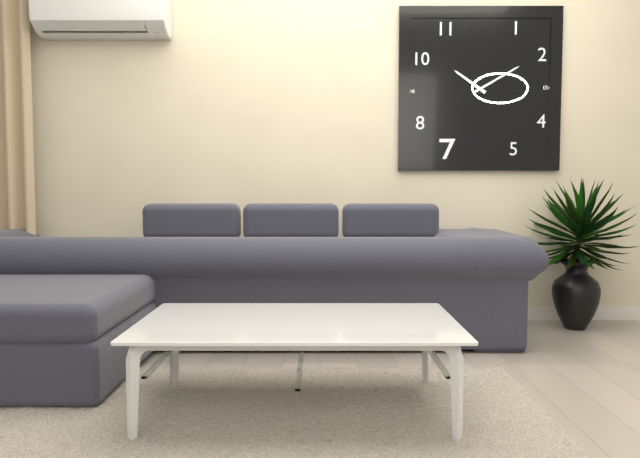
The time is 10,10
